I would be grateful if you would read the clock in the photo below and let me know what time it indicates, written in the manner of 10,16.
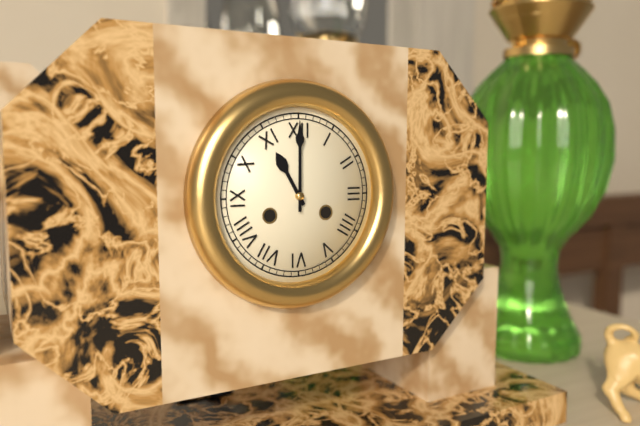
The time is 11,00
